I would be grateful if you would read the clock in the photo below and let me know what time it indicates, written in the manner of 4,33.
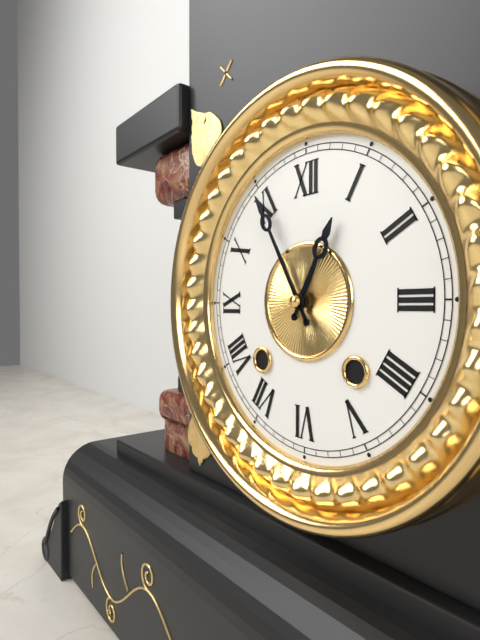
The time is 12,55
